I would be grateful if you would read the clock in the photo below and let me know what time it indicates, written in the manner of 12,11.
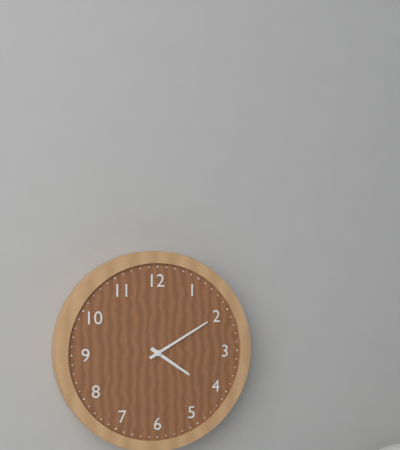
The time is 4,10
